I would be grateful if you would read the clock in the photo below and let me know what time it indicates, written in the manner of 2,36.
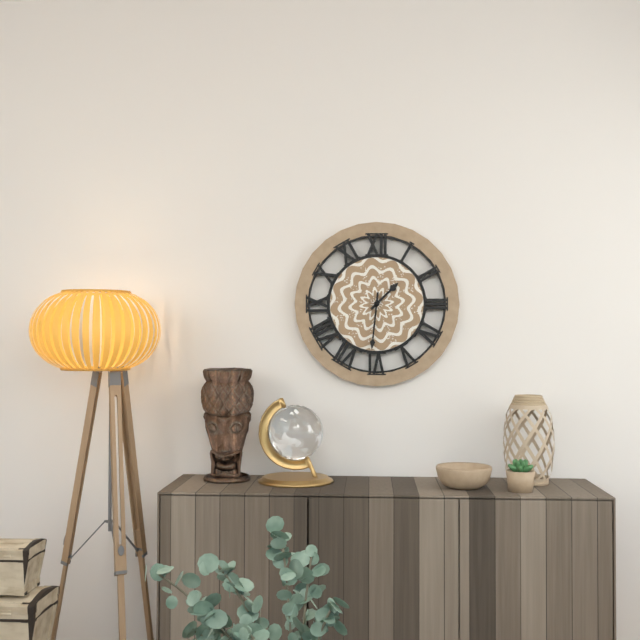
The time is 1,31
